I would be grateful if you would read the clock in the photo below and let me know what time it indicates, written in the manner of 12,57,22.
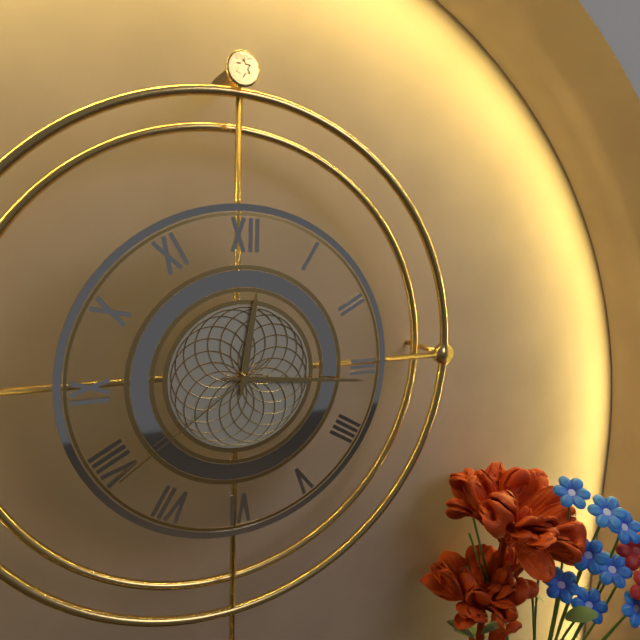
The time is 12,16,39
